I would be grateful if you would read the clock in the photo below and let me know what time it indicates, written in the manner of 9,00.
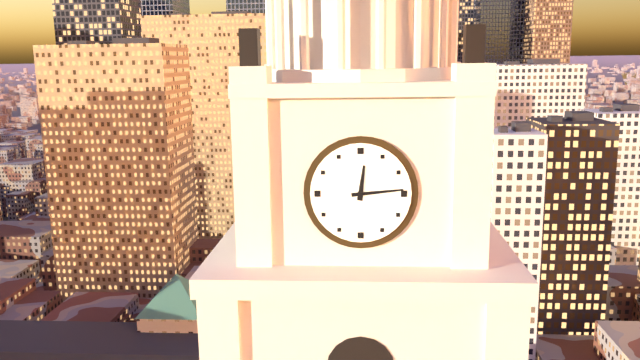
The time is 12,14
